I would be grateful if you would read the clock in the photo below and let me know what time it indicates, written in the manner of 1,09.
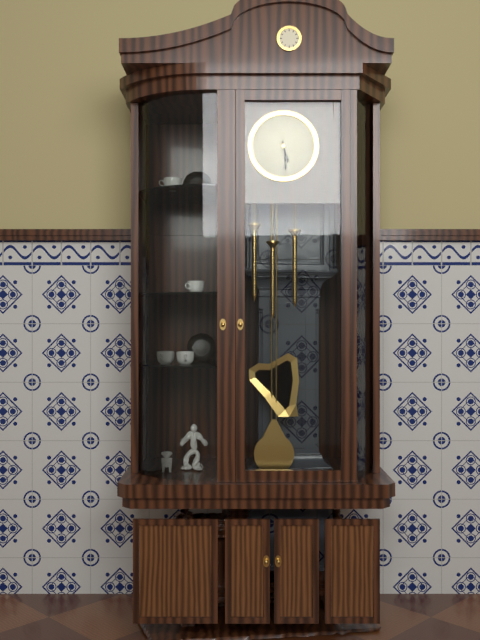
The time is 5,29
